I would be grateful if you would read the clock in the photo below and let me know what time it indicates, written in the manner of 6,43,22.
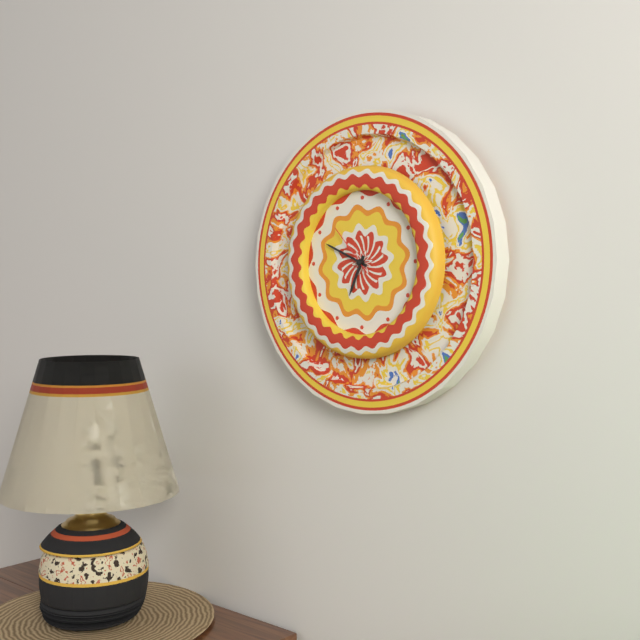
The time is 6,49,53
